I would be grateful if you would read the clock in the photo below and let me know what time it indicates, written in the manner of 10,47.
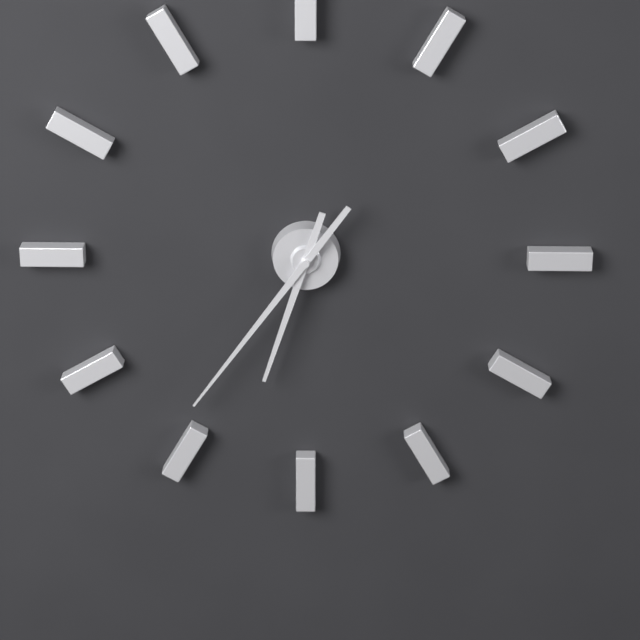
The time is 6,36
